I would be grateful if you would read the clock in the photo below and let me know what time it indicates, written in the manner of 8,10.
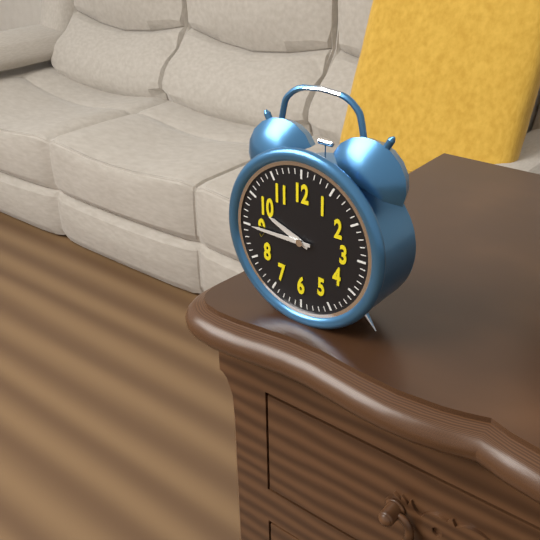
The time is 9,45
